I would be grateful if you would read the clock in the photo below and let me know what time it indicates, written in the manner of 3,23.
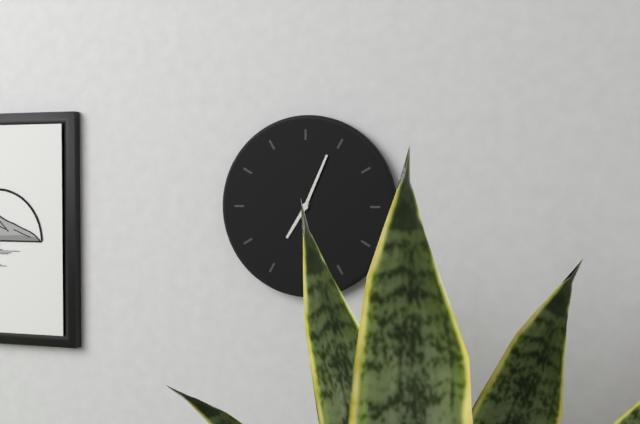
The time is 7,04
